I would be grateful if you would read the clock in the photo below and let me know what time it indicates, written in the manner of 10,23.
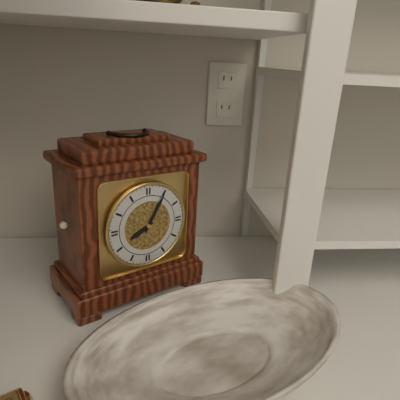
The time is 8,05
